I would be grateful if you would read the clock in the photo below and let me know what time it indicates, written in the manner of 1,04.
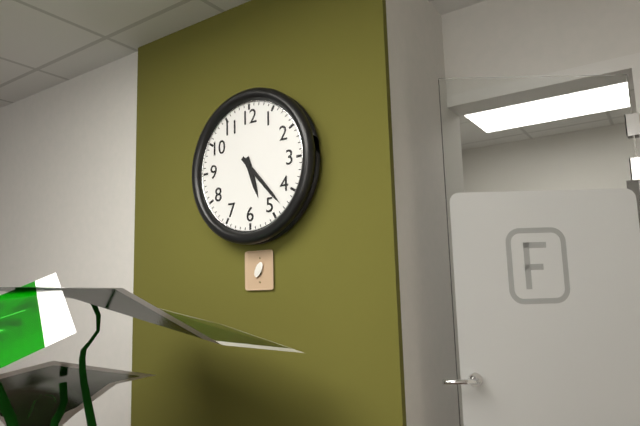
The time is 5,23
